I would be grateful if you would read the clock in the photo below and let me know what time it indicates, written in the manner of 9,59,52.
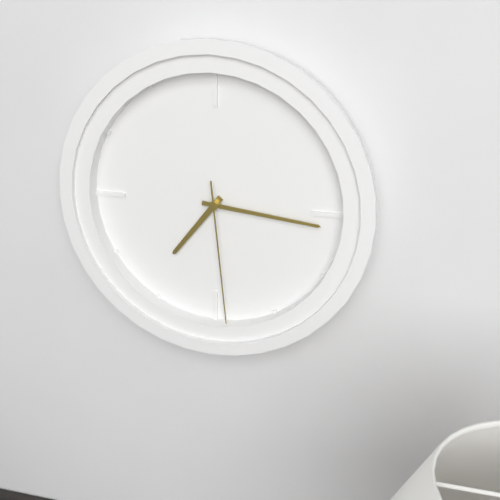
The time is 7,16,29
